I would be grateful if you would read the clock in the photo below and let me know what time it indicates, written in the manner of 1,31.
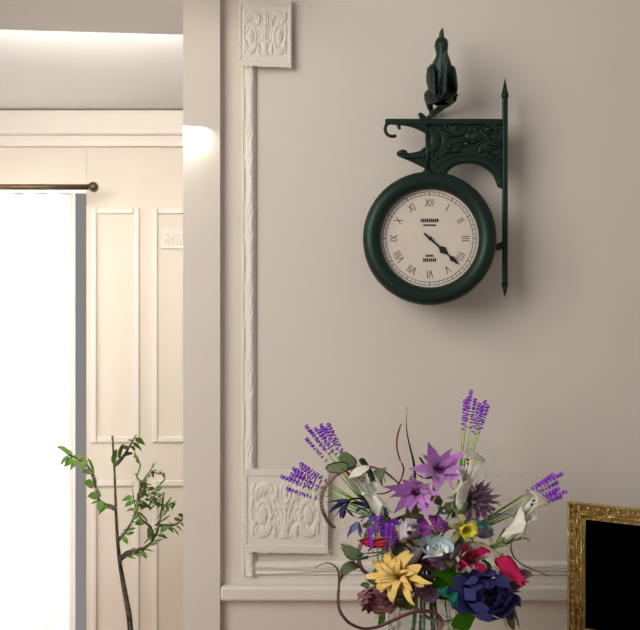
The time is 4,22
